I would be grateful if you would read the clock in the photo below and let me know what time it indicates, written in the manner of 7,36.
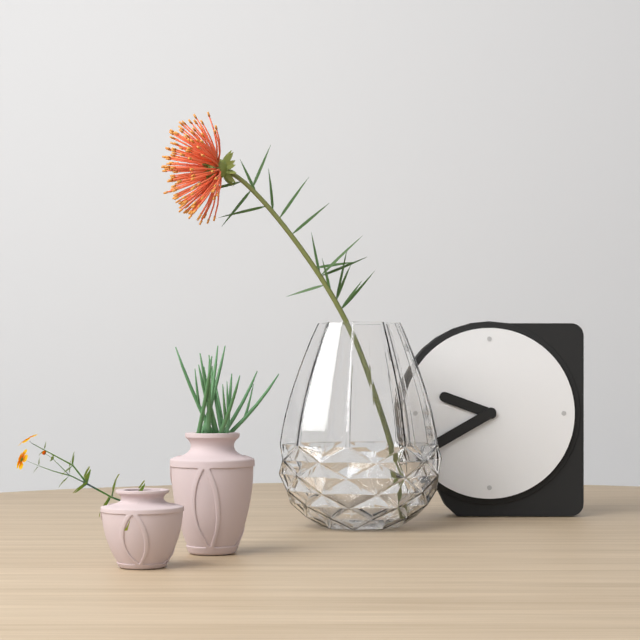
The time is 9,40
